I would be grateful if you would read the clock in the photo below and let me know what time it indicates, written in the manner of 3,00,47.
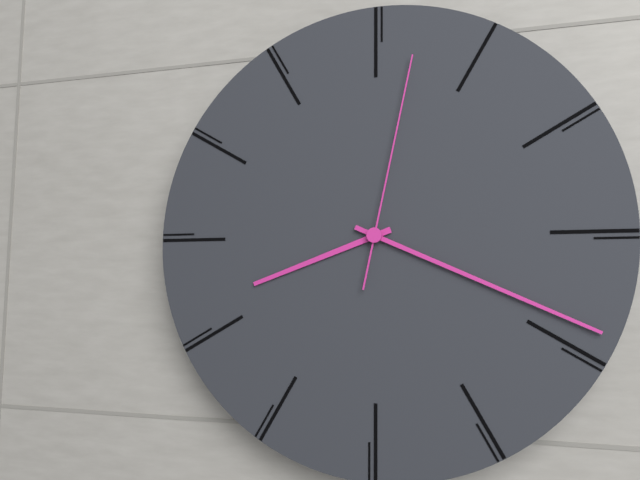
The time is 8,19,02
